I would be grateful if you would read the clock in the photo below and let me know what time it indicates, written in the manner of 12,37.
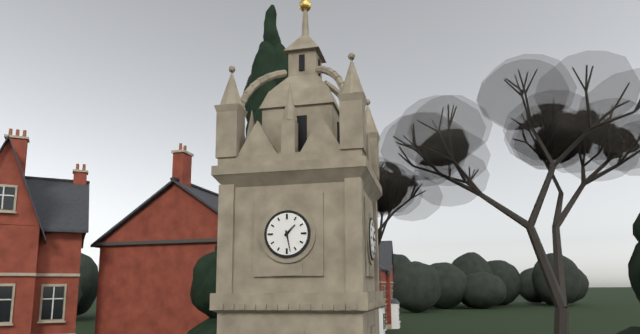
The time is 1,28
